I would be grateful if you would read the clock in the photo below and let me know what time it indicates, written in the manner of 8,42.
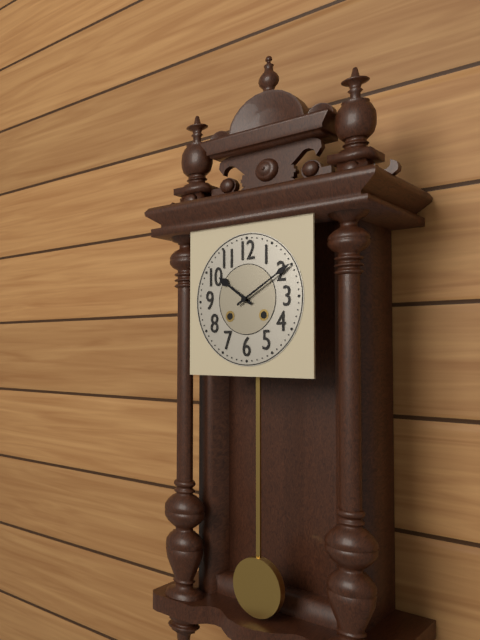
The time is 10,10
